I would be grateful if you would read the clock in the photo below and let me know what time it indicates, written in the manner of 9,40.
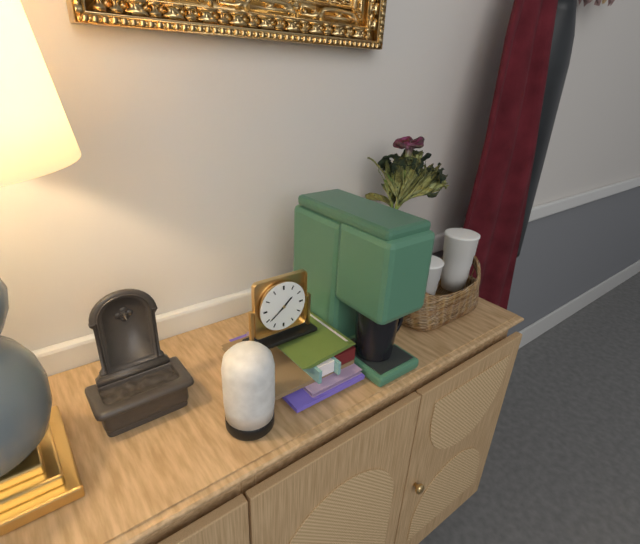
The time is 1,39
